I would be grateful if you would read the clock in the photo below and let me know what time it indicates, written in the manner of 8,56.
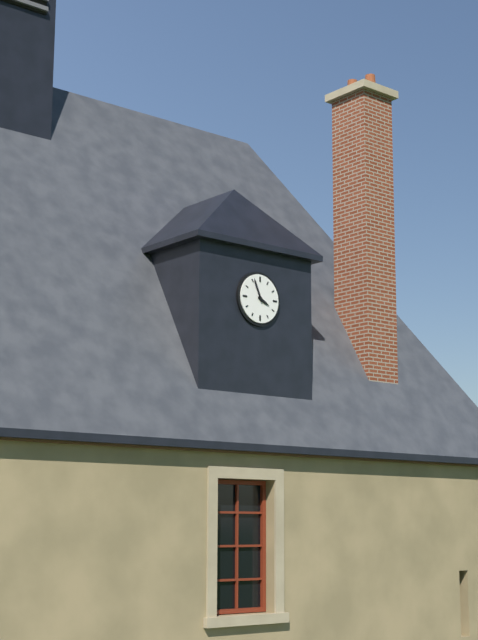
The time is 3,56
